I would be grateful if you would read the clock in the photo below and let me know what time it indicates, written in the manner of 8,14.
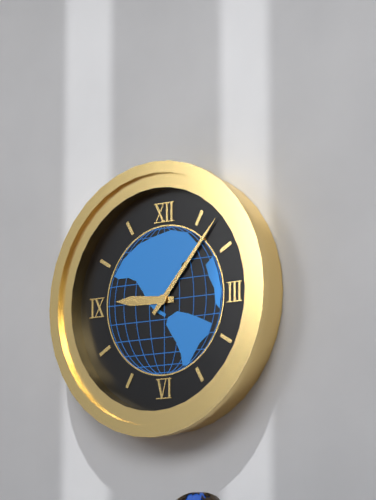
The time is 9,07
